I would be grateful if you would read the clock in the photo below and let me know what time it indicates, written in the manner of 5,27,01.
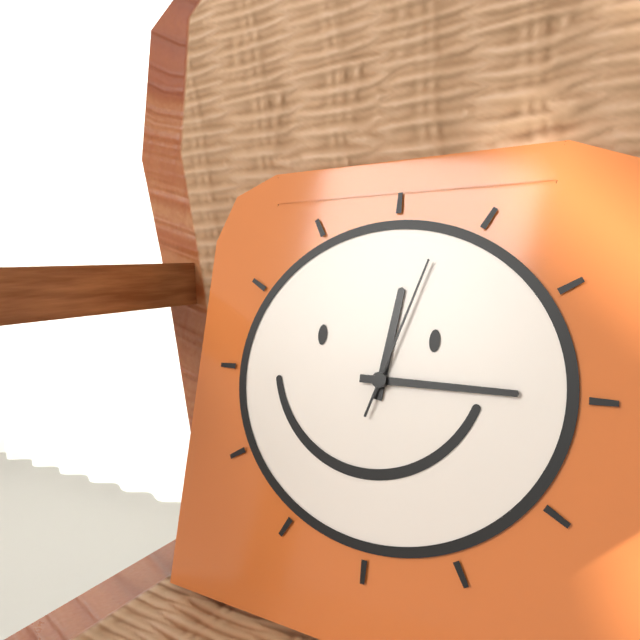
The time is 12,15,03
